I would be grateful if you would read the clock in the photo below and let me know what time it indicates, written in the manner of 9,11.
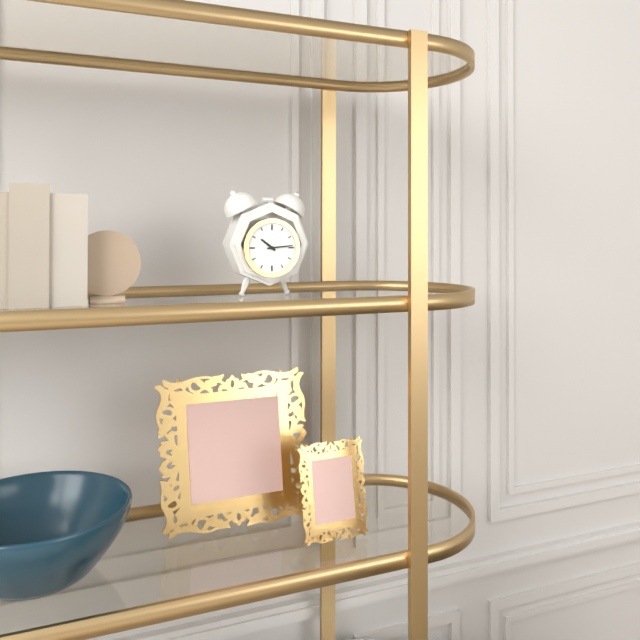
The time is 10,14
